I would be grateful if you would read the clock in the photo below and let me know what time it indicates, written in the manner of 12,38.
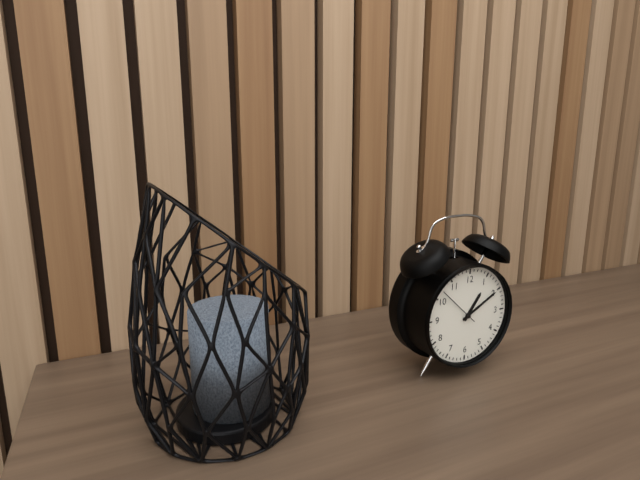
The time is 1,10
